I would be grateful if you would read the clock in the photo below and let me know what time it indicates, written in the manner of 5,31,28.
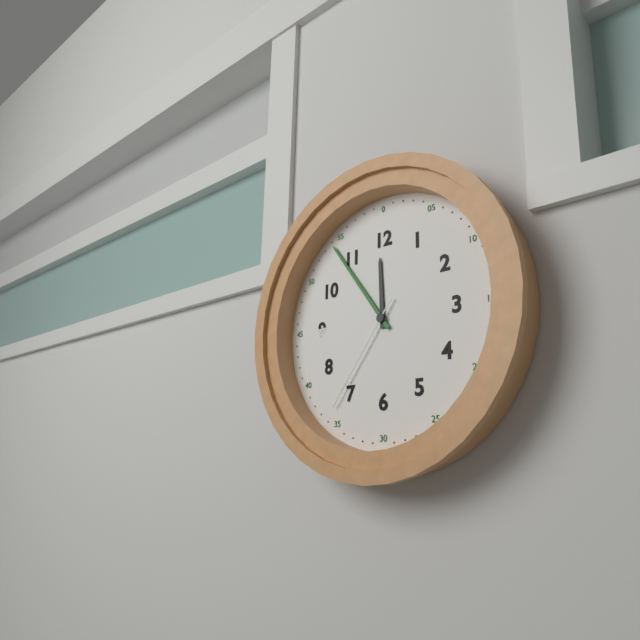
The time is 11,54,36
